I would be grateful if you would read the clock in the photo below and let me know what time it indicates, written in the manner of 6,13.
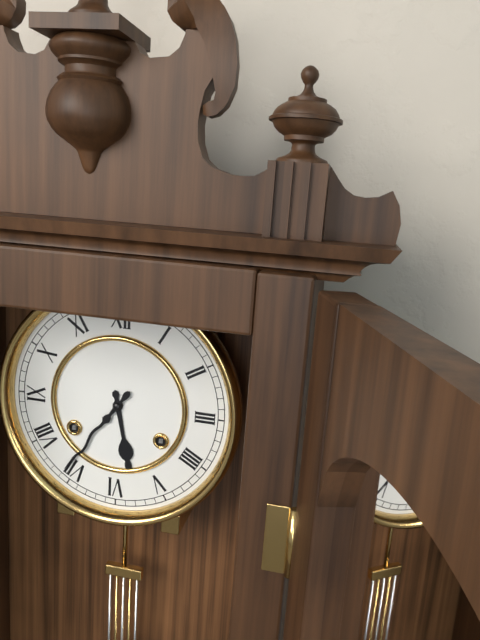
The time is 5,36
